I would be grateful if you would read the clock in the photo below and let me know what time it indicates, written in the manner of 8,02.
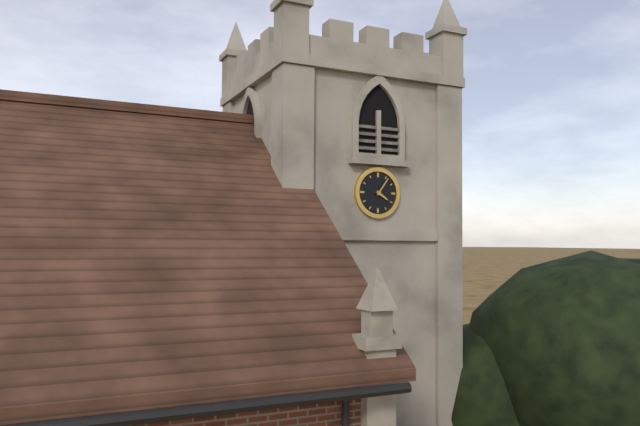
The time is 4,06
